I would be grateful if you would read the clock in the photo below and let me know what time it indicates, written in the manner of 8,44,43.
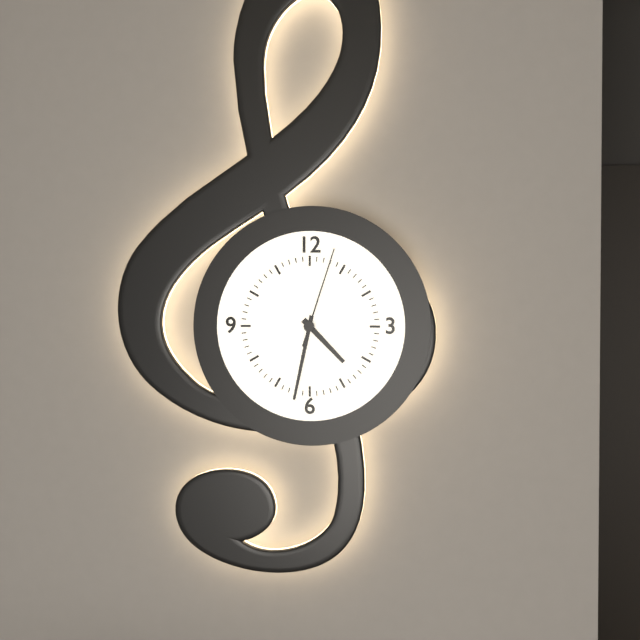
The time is 4,32,03
